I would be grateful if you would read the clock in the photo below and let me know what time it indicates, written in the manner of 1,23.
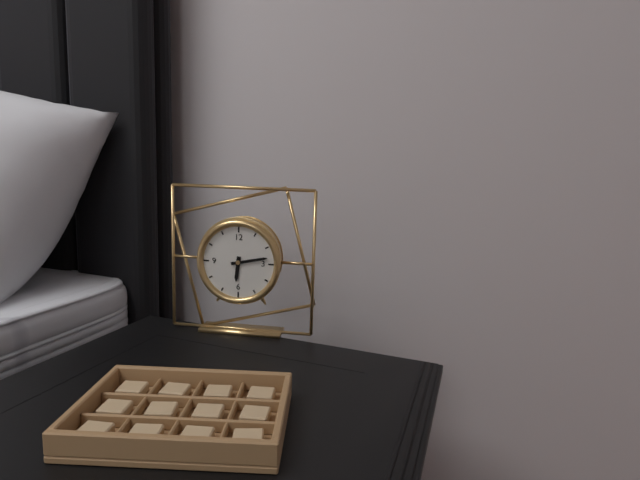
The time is 6,13
